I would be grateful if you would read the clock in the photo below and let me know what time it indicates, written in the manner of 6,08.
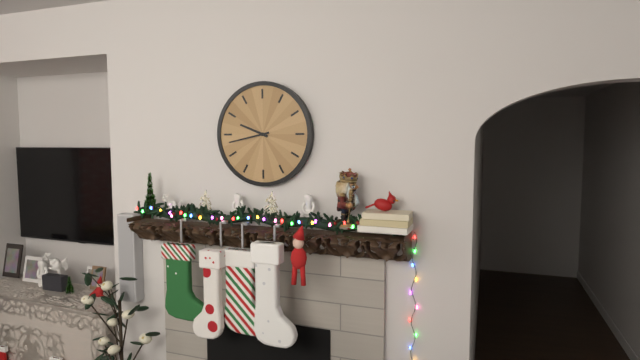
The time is 9,43
